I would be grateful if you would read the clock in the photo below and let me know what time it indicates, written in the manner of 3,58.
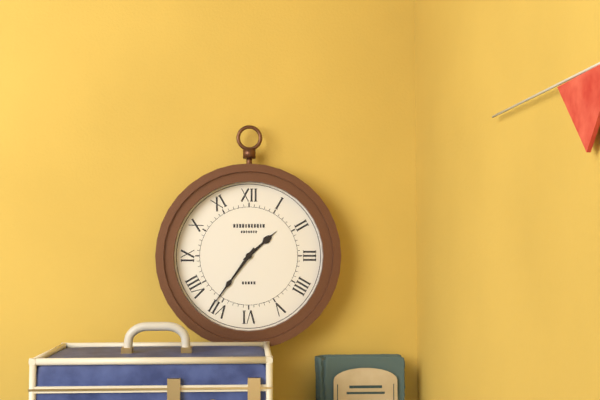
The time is 1,36
